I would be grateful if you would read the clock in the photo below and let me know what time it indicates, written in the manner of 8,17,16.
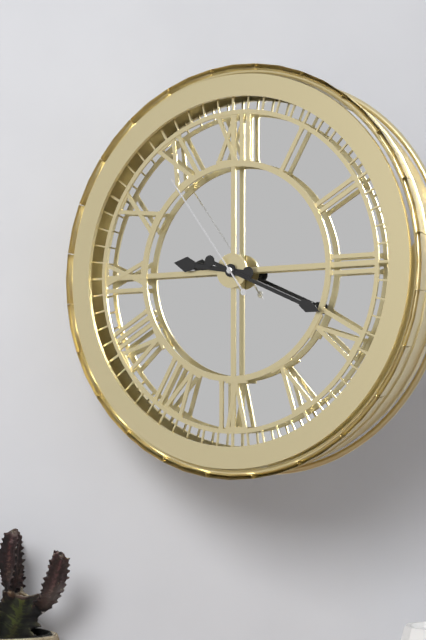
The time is 9,19,54
